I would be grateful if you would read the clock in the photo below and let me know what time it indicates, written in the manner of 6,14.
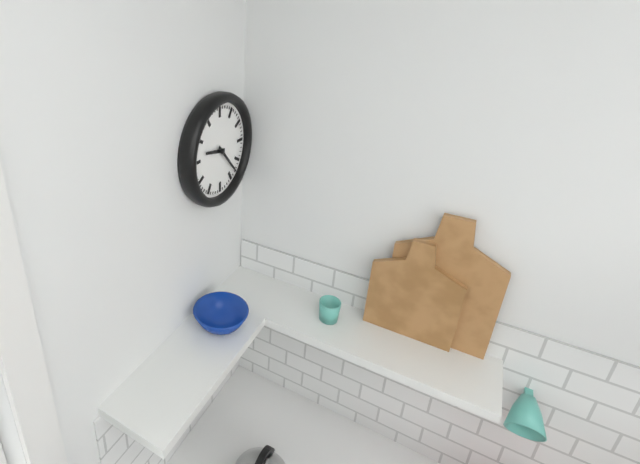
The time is 9,23
